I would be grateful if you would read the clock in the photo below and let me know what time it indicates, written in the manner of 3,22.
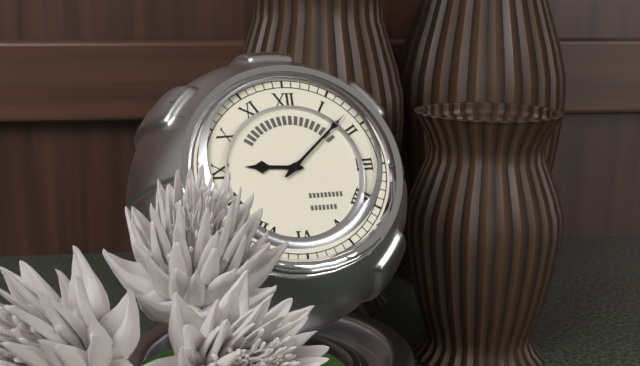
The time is 9,08
